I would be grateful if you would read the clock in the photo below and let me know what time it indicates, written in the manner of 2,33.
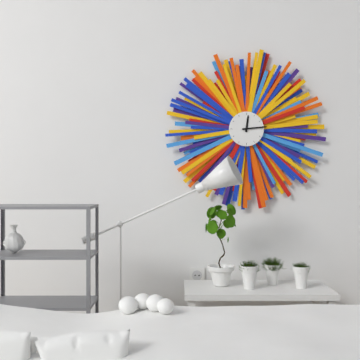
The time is 12,14
